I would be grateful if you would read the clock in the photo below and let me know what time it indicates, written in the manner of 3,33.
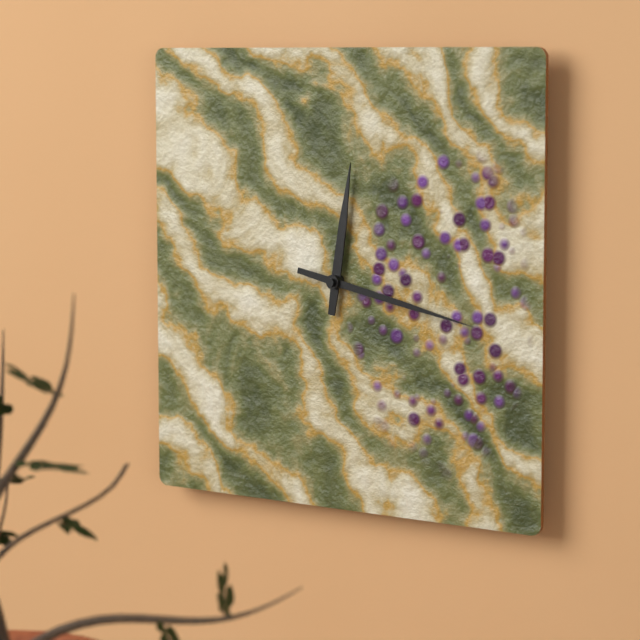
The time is 12,17
